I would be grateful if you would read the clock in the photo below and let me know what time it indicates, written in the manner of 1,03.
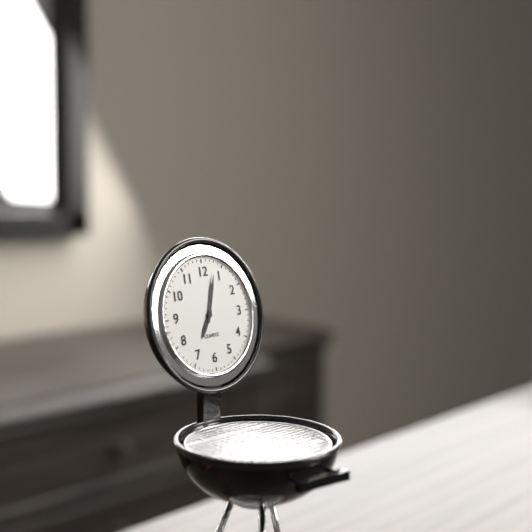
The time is 7,03
